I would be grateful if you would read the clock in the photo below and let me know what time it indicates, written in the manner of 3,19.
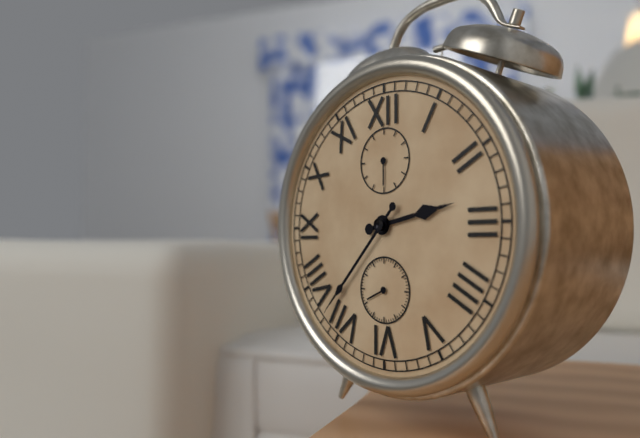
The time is 2,37
